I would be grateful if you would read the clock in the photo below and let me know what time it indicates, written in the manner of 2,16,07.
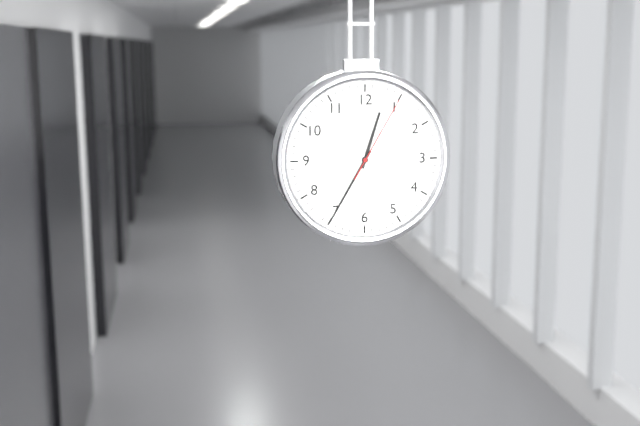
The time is 12,35,05
